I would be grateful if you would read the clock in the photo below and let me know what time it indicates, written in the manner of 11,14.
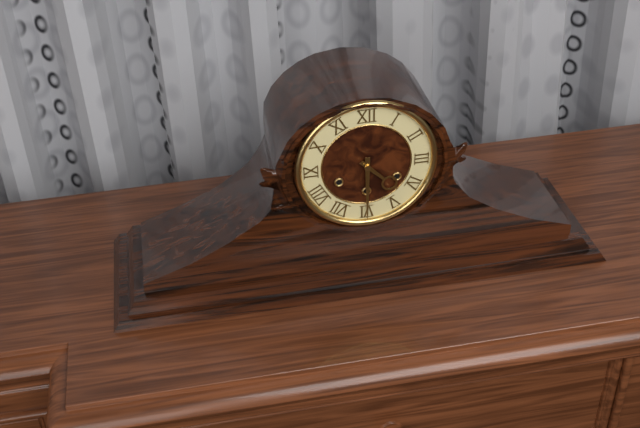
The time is 4,30
